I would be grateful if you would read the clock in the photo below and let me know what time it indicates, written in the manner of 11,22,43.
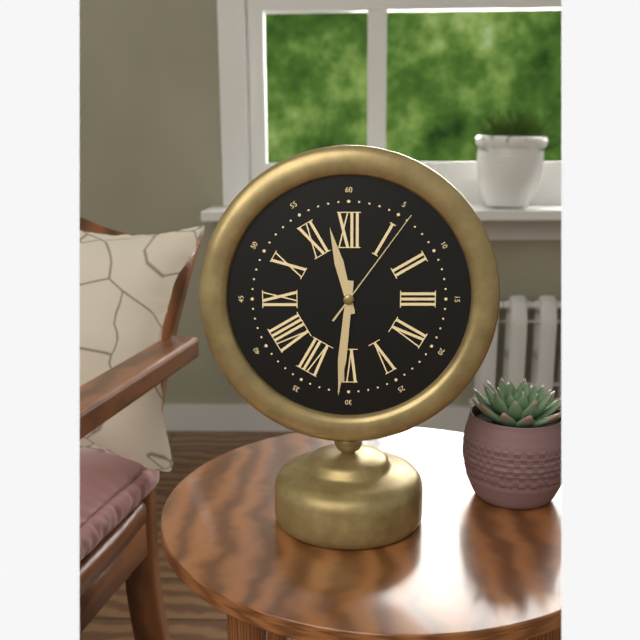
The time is 11,31,06
